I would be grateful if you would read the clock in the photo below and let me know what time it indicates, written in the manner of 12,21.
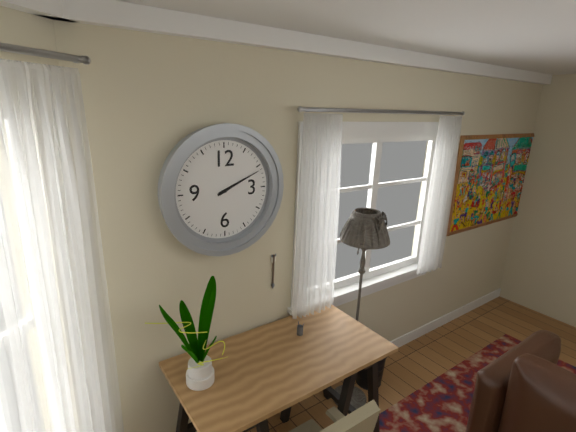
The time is 2,11
